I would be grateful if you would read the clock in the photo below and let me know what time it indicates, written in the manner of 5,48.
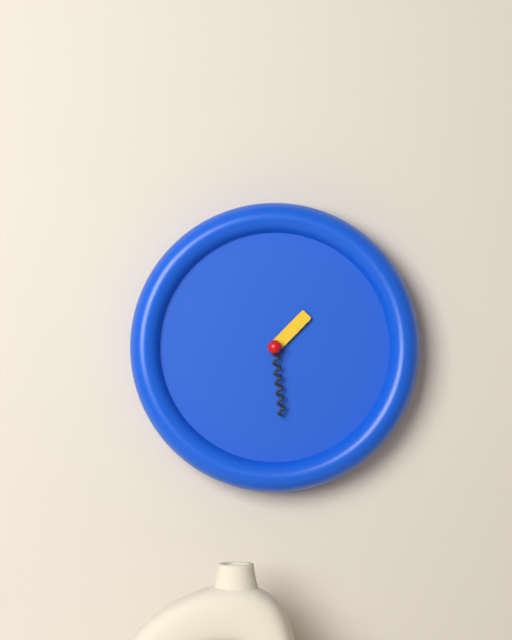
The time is 1,29
